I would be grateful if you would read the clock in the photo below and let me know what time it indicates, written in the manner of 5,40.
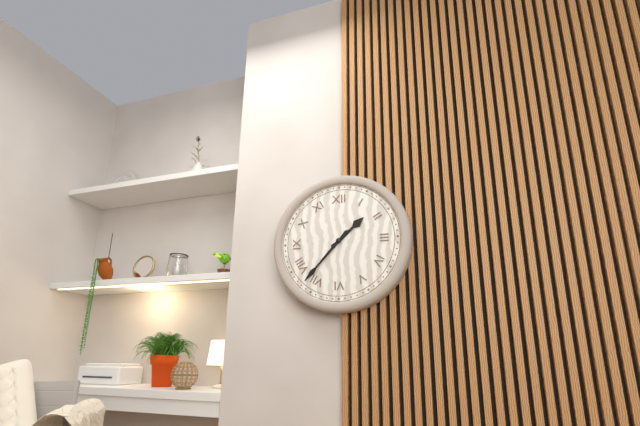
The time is 1,37
